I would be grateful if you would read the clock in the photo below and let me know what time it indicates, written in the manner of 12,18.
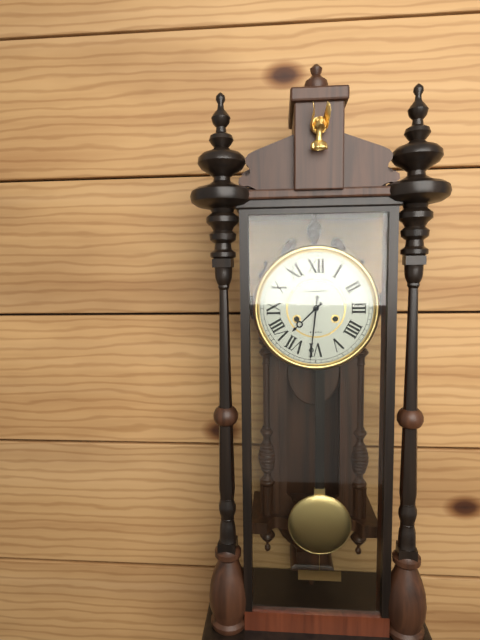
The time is 7,31
